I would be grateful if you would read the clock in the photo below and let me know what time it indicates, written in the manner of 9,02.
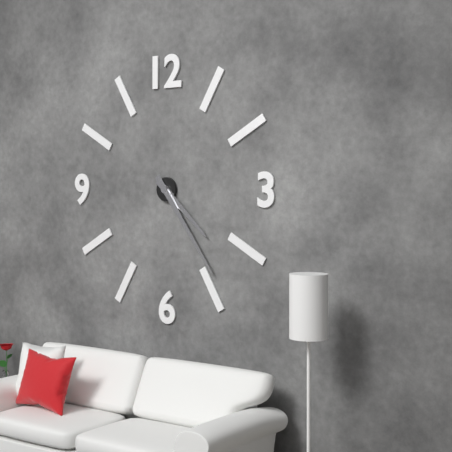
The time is 4,24
